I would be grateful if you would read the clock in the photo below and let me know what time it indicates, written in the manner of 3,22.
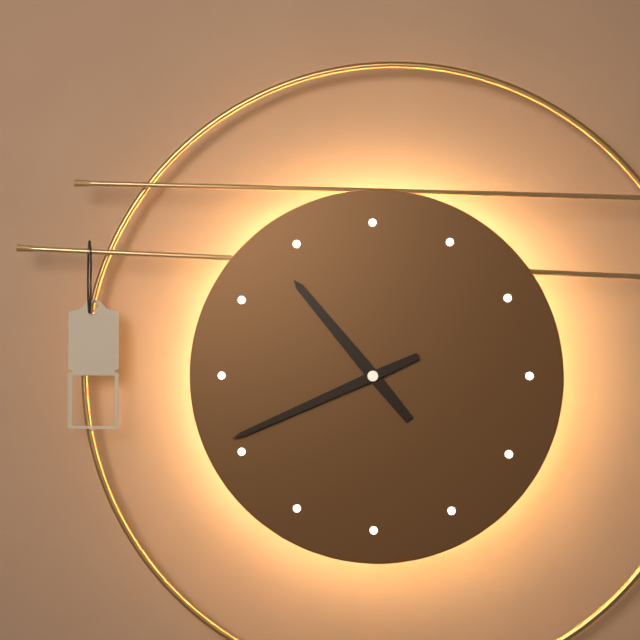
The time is 10,41
